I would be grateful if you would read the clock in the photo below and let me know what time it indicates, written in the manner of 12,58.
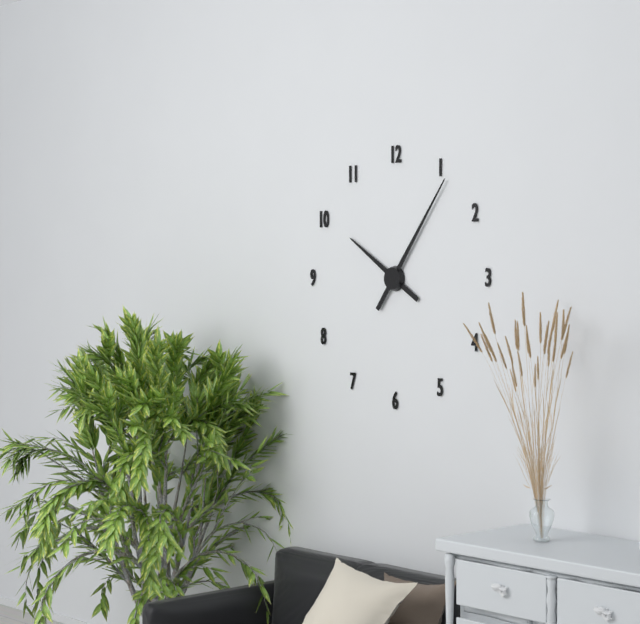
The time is 10,06
